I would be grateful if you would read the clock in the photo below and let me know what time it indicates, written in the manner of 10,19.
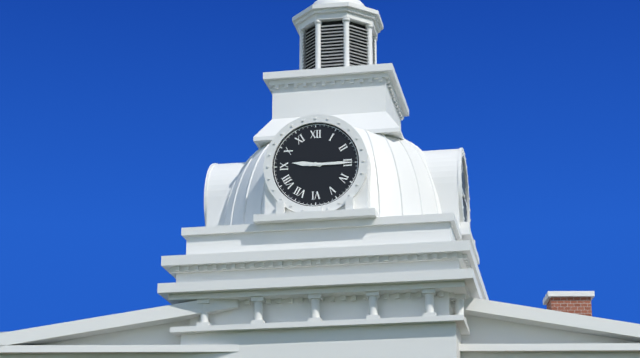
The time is 9,15
